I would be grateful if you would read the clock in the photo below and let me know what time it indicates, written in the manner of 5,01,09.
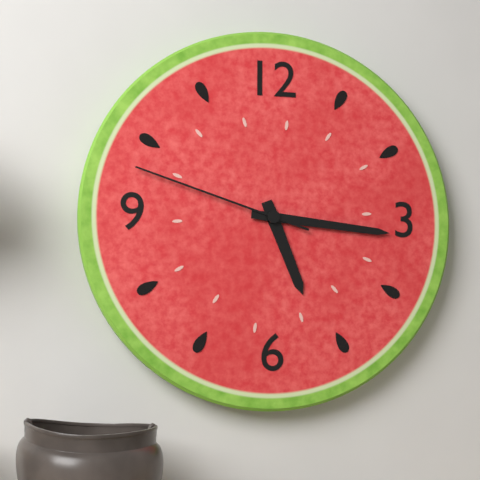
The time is 5,16,48
